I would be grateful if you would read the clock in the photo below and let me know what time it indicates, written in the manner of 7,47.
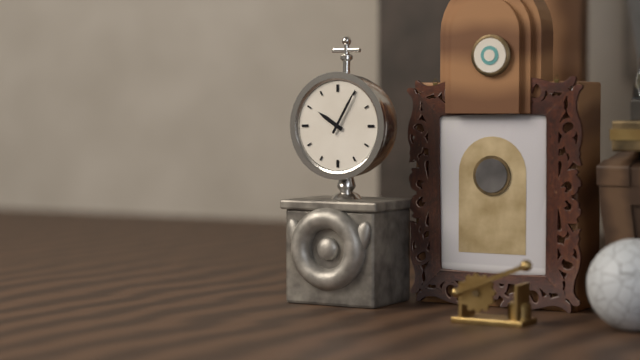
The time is 10,05
